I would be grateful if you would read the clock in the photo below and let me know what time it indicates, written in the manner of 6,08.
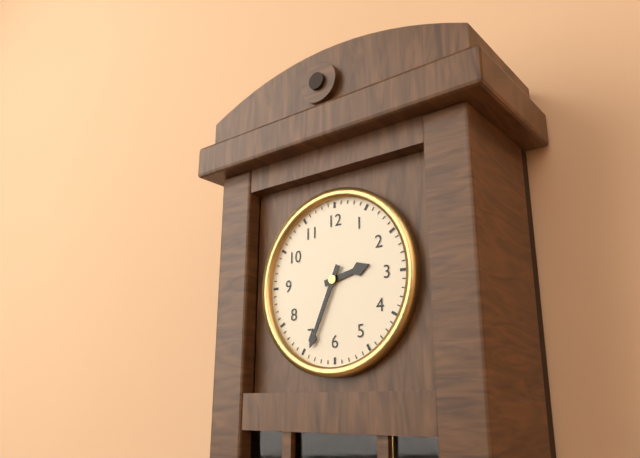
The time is 2,34
